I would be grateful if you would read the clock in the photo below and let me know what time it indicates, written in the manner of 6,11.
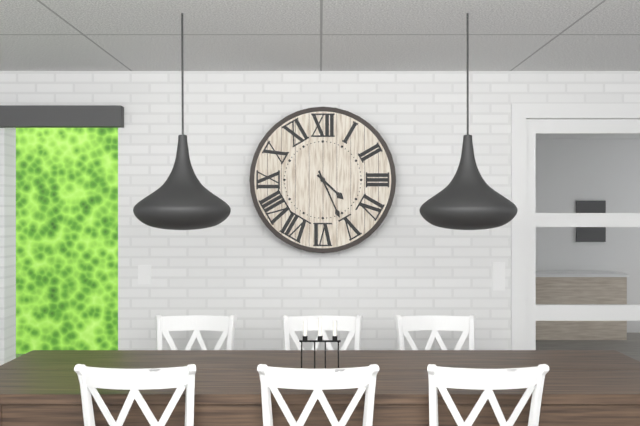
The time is 4,26
